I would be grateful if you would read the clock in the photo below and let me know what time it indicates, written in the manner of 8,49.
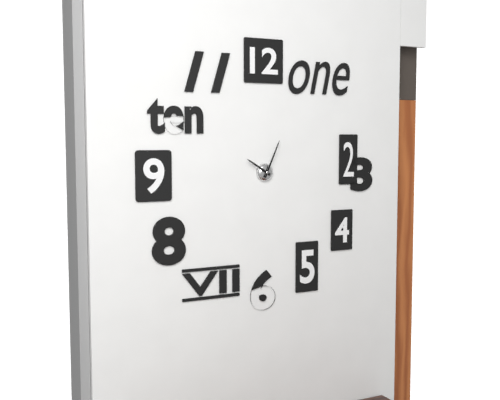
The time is 10,04
